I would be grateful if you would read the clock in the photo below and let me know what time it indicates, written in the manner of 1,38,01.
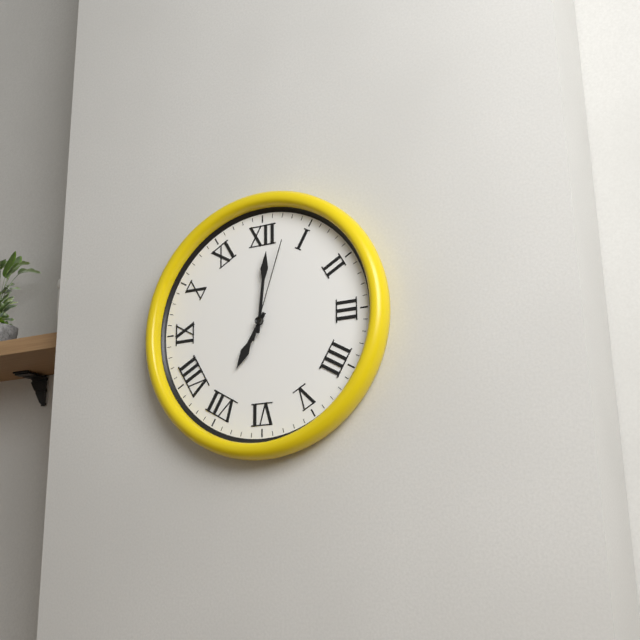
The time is 7,01,03
